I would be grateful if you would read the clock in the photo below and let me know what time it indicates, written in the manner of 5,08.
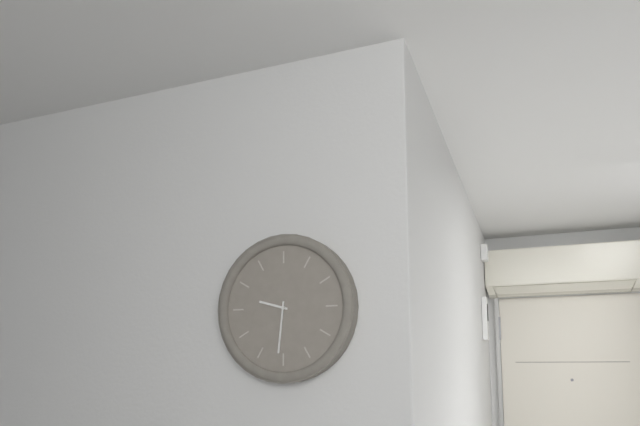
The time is 9,31
